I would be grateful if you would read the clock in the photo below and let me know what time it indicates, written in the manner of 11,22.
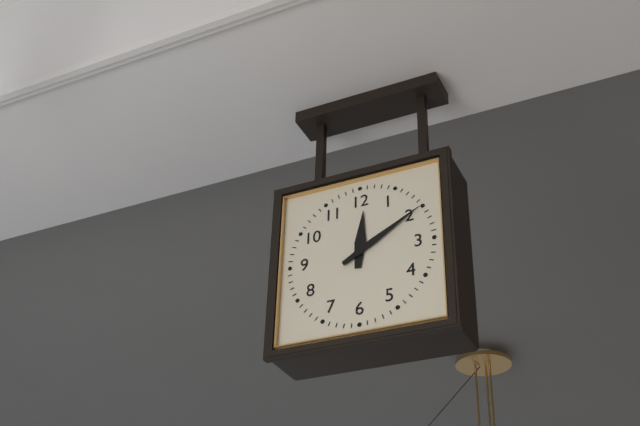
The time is 12,10
